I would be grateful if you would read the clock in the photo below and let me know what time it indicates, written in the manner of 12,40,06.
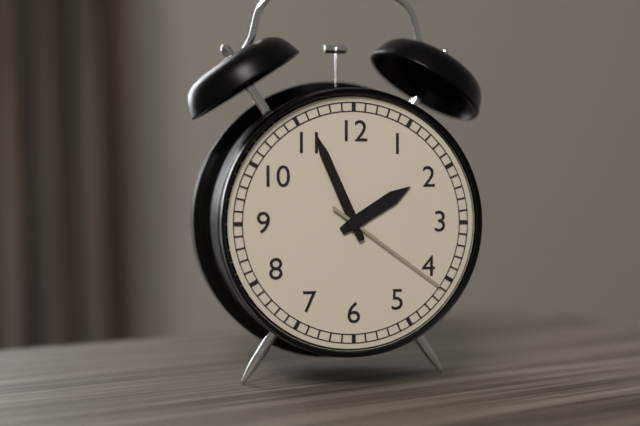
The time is 1,56,21
